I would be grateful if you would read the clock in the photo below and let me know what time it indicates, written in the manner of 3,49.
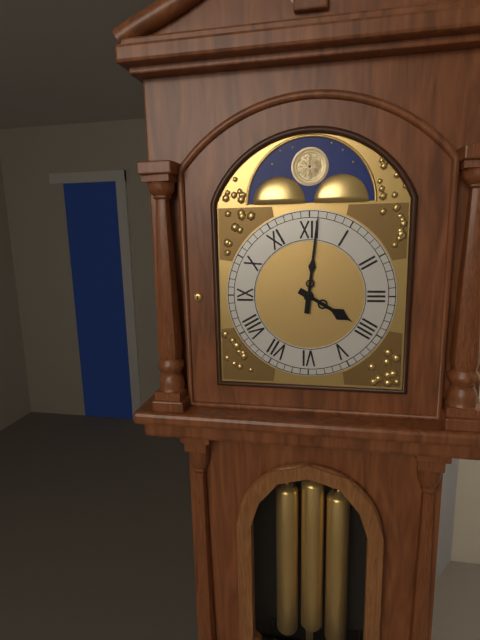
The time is 4,01
